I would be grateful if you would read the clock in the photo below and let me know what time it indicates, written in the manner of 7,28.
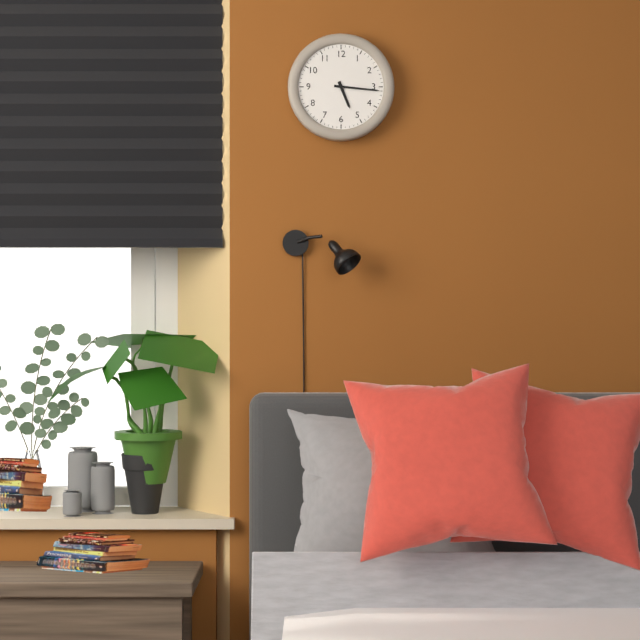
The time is 5,16
